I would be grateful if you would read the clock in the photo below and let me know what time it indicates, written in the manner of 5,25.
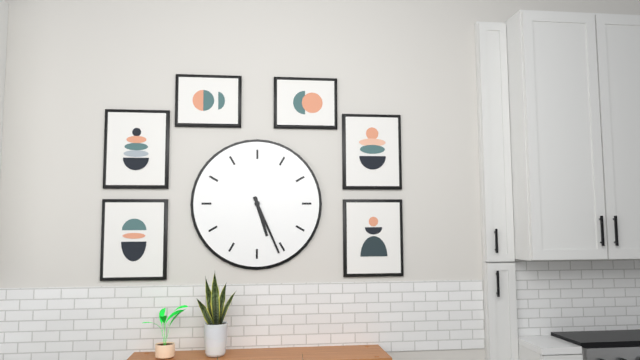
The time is 5,26
